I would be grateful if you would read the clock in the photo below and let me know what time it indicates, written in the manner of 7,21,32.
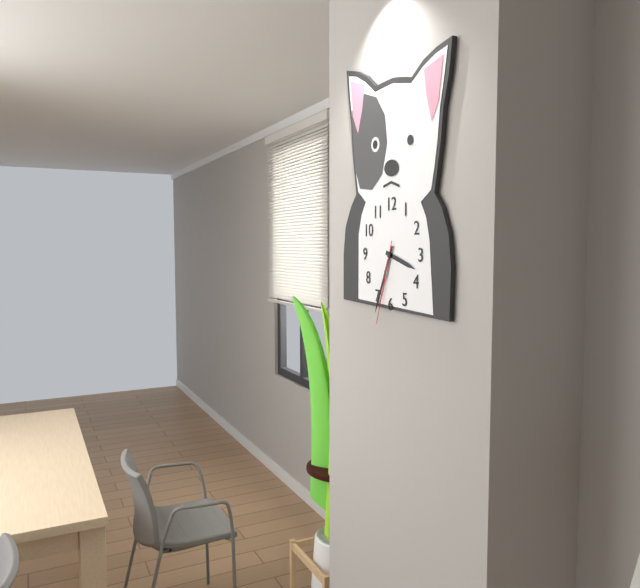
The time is 3,34,33
